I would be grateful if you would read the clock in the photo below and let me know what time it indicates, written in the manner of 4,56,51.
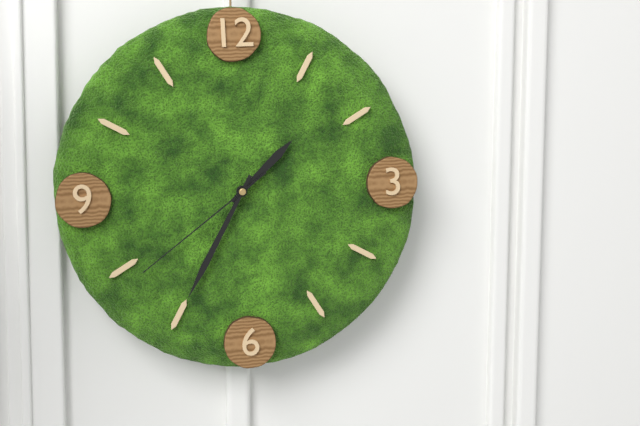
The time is 1,35,39
